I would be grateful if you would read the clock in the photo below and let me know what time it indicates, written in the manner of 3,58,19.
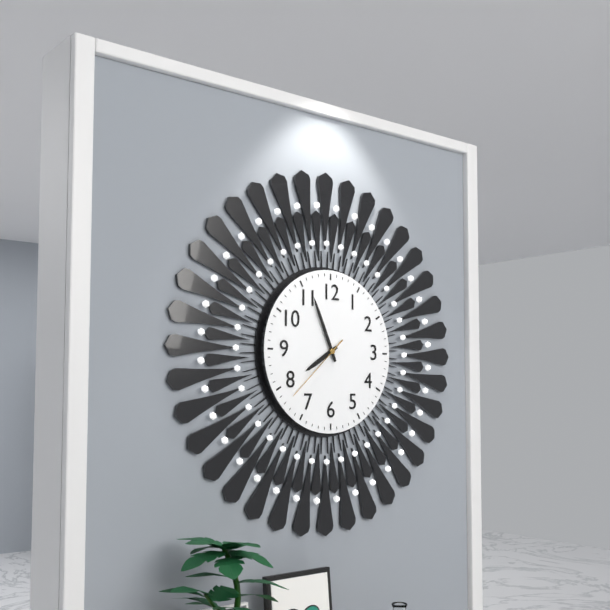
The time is 7,56,38
